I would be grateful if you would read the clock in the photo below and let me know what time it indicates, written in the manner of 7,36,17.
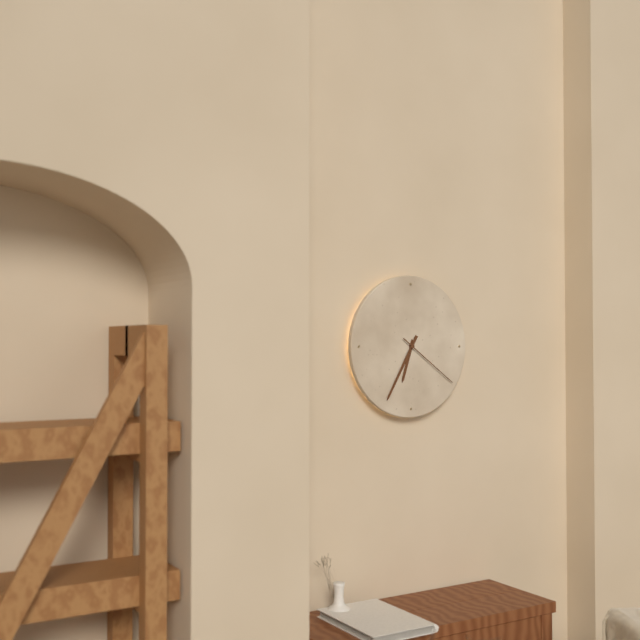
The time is 6,35,21
